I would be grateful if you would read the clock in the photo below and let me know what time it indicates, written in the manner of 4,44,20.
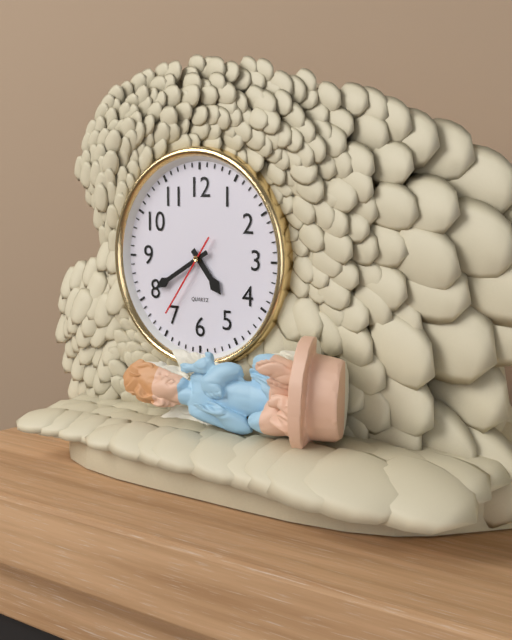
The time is 4,40,36
